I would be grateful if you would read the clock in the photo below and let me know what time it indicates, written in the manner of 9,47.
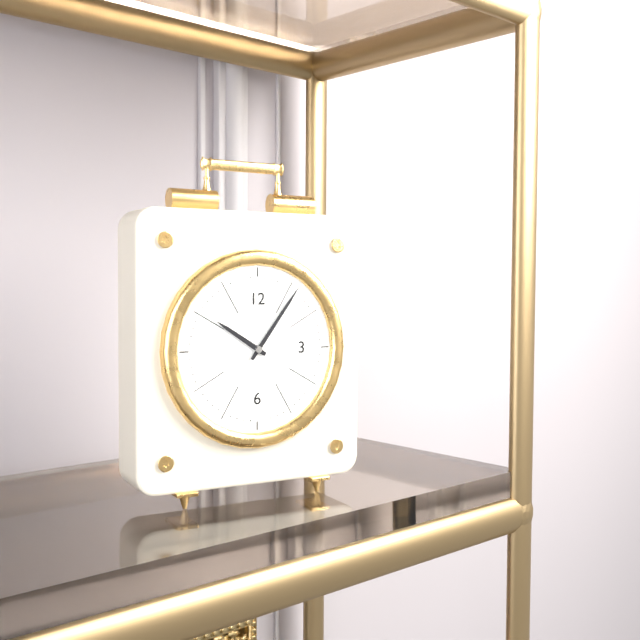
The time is 10,06
